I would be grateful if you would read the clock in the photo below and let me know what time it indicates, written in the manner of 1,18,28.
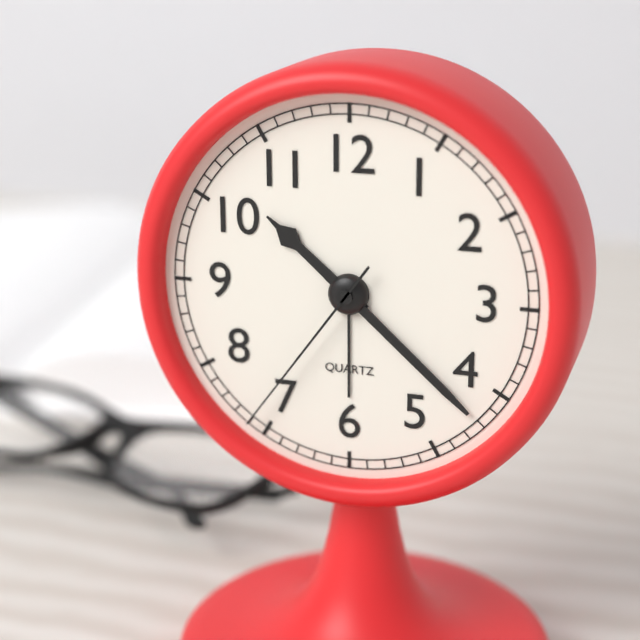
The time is 10,22,36
